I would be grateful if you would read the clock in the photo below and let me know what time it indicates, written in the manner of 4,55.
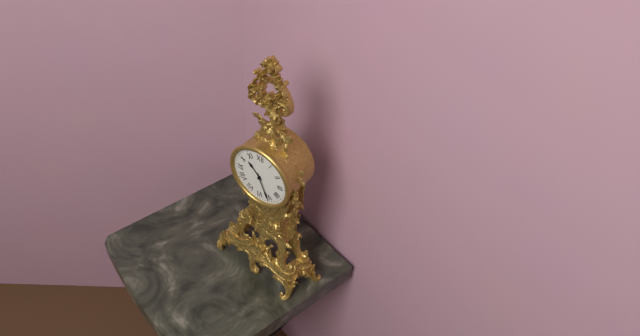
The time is 10,26
